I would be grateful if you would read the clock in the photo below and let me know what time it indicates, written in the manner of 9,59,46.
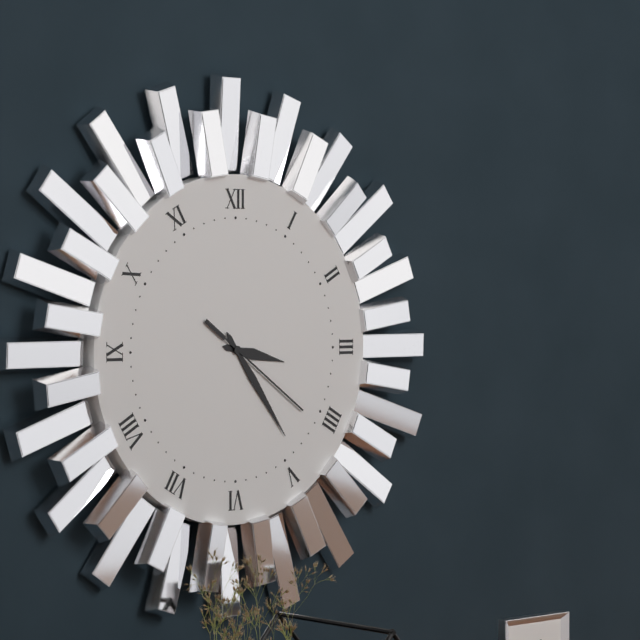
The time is 3,24,21
